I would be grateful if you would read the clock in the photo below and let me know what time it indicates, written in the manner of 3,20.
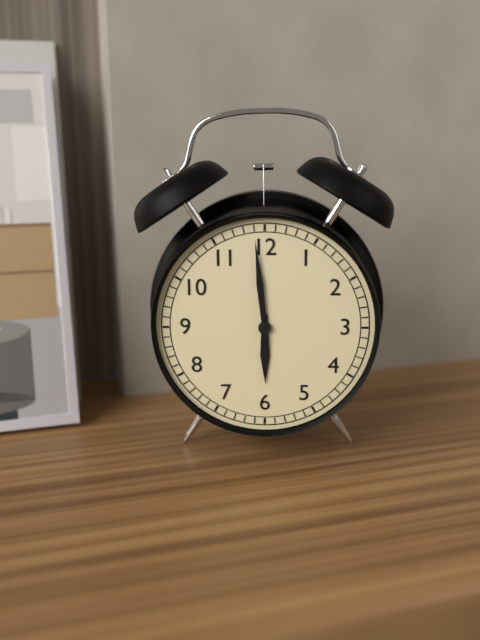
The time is 5,59
